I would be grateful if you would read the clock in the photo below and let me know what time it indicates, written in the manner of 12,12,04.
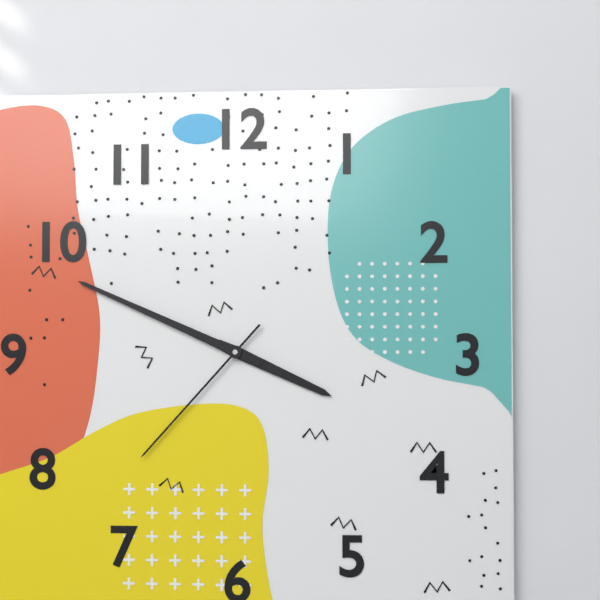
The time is 3,49,37
